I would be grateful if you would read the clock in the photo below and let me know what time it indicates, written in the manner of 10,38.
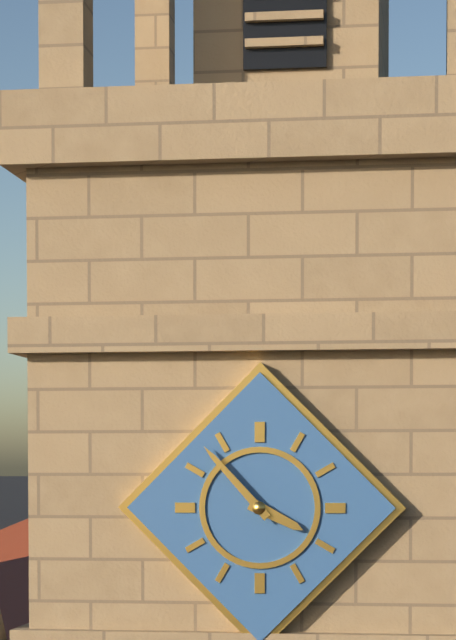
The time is 3,53
